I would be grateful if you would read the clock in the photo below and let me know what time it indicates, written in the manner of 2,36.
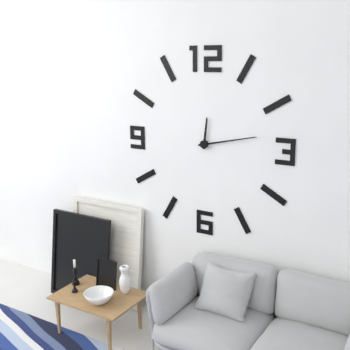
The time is 12,13
